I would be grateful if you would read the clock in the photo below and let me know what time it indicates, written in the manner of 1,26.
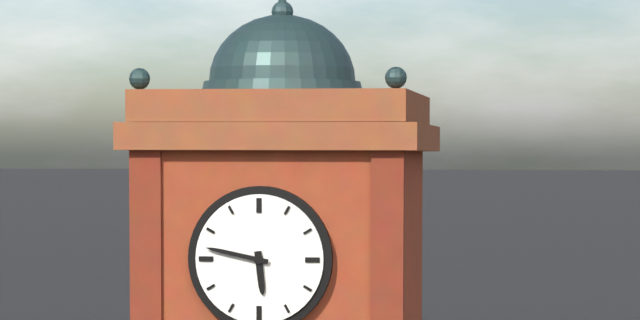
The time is 5,47
